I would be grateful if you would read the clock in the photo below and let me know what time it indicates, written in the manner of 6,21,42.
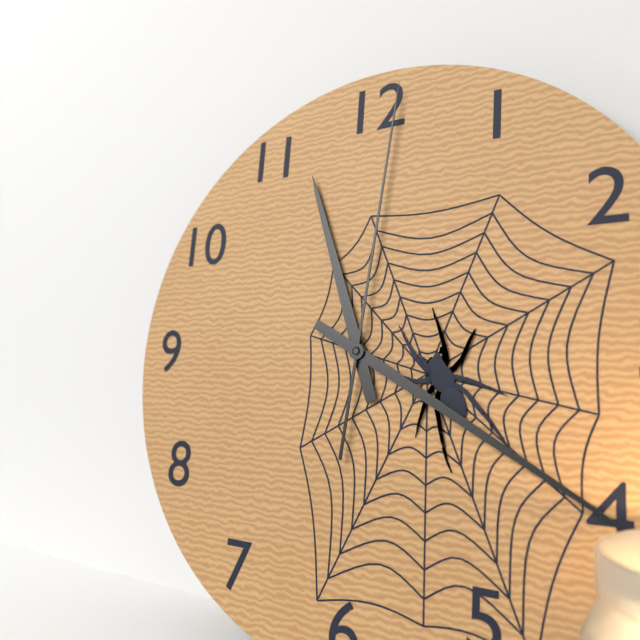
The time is 11,20,01
